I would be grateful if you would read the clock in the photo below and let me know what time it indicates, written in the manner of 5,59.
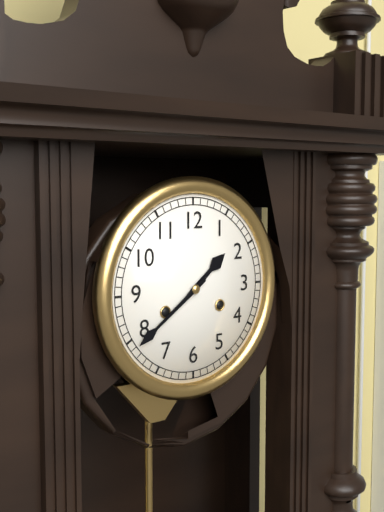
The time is 1,39
